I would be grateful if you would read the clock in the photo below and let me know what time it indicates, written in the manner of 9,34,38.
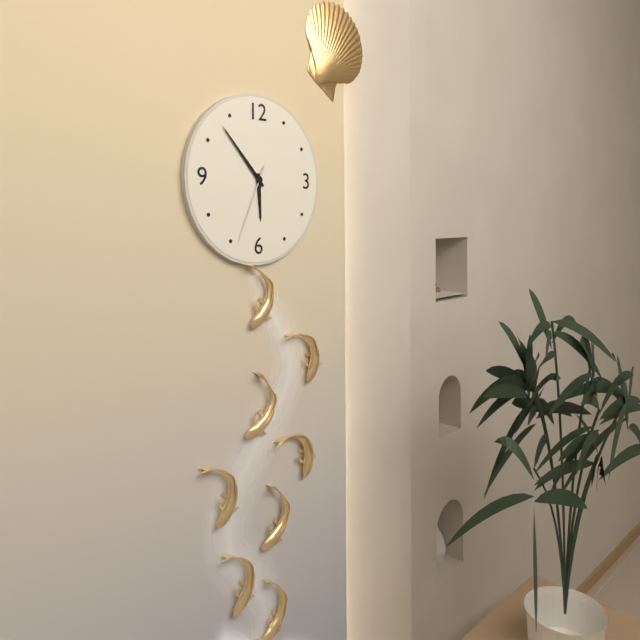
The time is 5,53,34
